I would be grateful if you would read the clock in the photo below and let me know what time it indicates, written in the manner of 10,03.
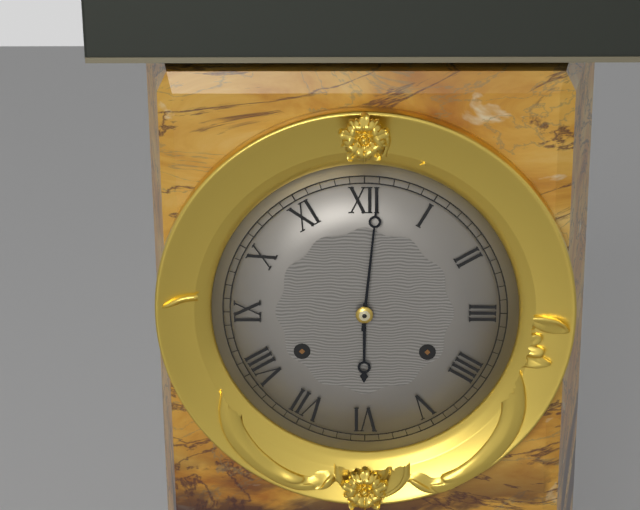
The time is 6,01
